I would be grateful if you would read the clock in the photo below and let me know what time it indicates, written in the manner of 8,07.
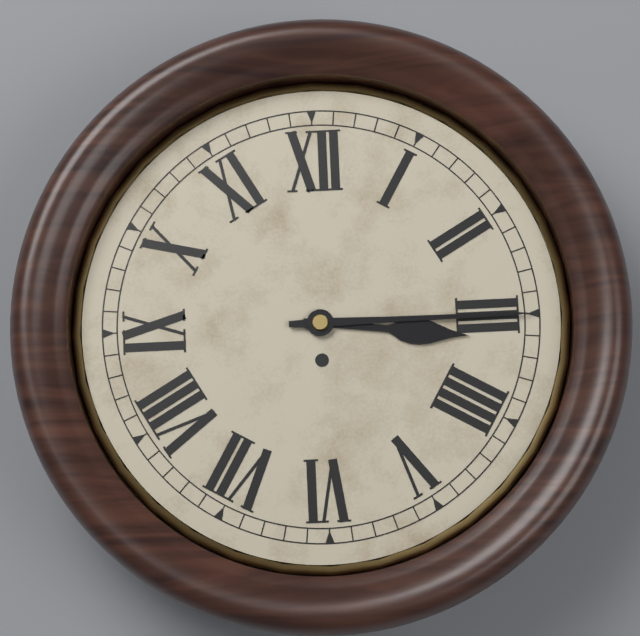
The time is 3,15
